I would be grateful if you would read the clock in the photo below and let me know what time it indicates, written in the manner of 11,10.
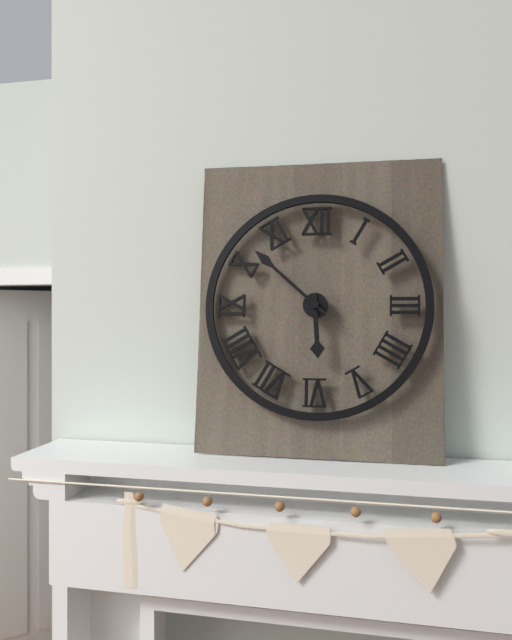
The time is 5,52
